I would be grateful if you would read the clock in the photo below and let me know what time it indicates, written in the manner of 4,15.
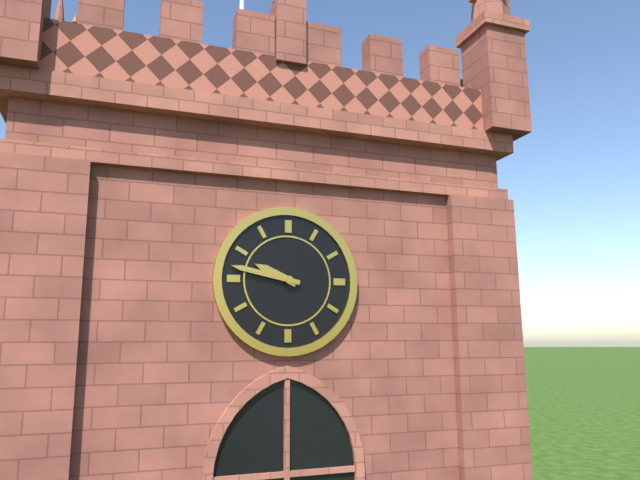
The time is 9,47
